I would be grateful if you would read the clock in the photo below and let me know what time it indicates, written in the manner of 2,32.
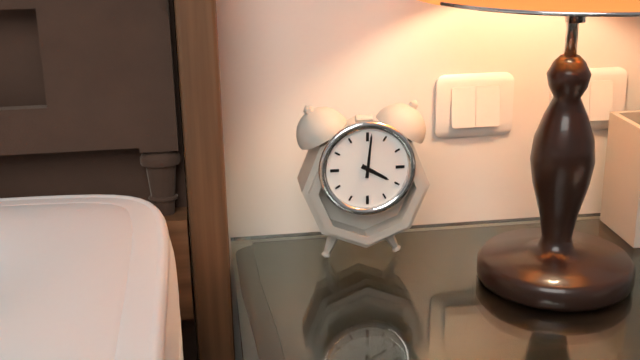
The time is 4,01
